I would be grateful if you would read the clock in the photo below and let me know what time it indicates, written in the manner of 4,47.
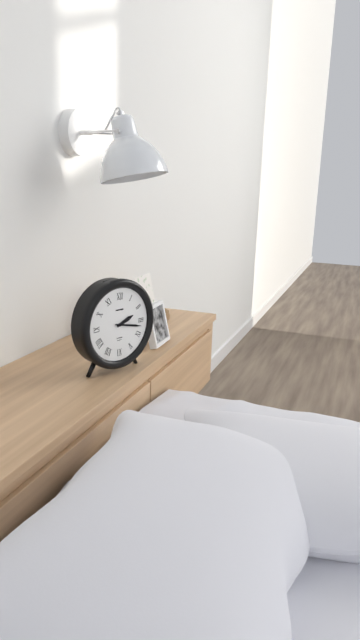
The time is 2,17
